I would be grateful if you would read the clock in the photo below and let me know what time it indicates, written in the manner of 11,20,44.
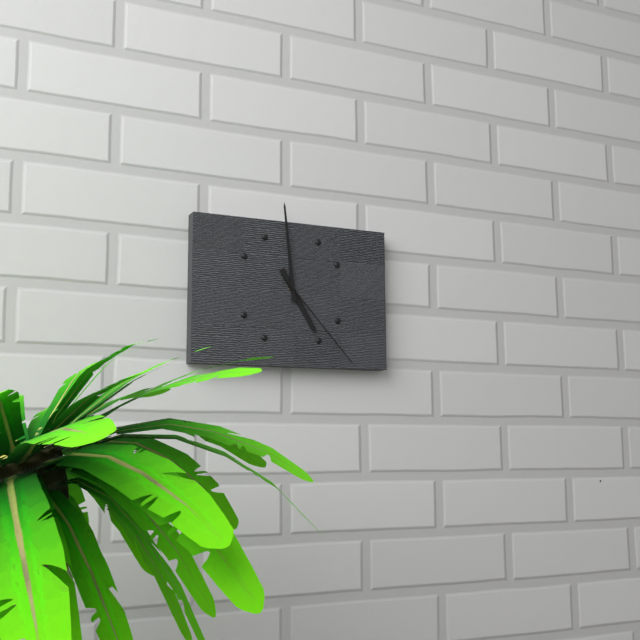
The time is 4,59,23
